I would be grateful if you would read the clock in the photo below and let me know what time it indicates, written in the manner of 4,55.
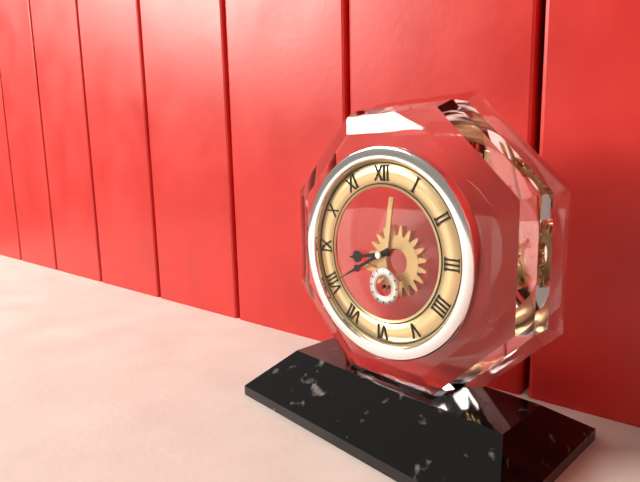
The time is 8,40
